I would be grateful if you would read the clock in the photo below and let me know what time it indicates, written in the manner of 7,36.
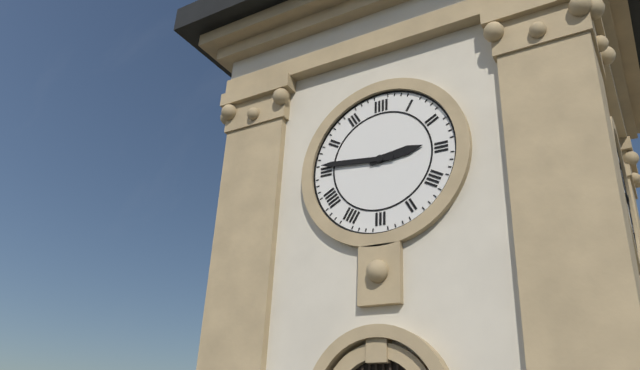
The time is 2,46
